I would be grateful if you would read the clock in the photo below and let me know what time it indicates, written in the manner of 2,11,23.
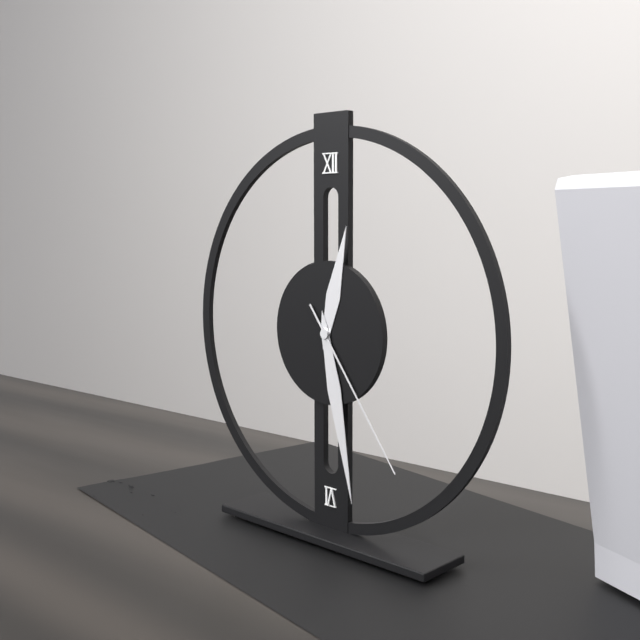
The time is 12,28,24
